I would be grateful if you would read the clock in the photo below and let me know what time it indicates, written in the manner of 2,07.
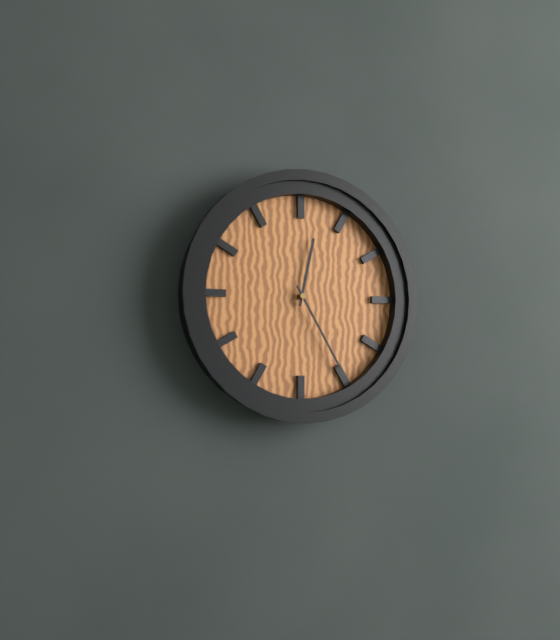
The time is 12,25
